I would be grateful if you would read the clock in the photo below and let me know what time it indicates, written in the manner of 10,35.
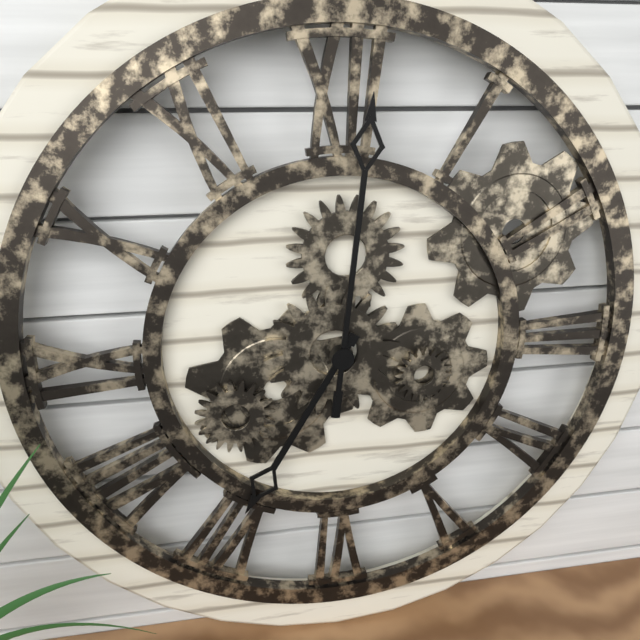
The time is 7,01
